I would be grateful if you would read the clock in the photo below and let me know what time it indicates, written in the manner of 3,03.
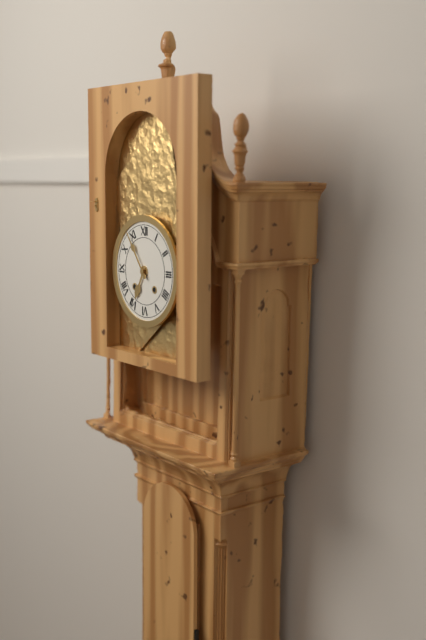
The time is 6,54
